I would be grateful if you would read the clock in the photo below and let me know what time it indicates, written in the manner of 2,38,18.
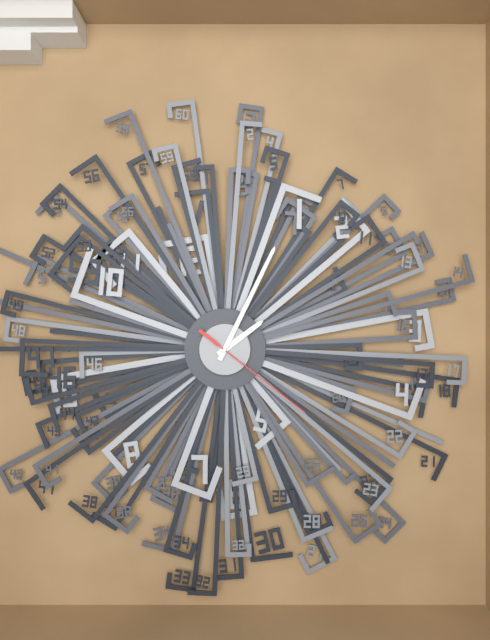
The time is 2,06,23
